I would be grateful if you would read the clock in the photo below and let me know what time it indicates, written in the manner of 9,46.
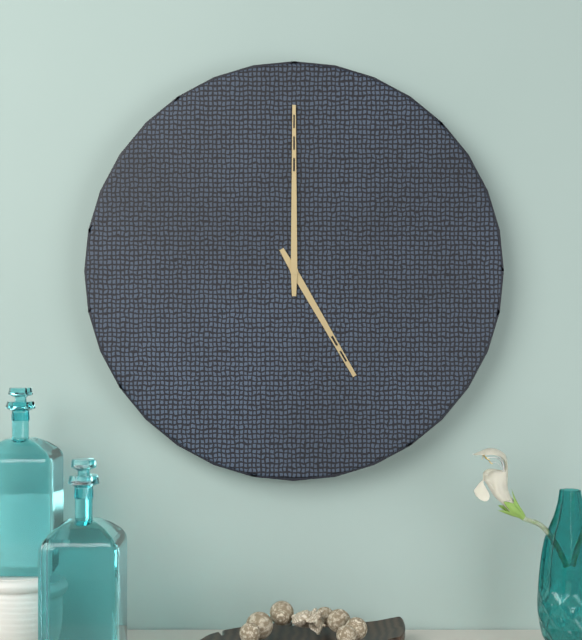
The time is 5,00
